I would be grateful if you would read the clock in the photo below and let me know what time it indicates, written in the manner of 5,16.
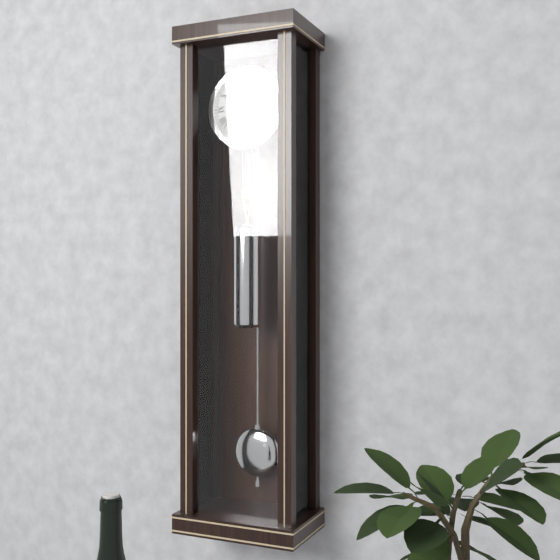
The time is 8,25
